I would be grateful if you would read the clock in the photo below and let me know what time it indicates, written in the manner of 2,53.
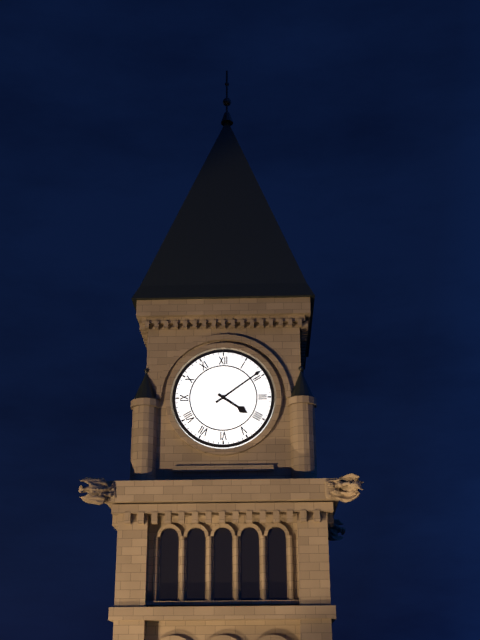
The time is 4,09
